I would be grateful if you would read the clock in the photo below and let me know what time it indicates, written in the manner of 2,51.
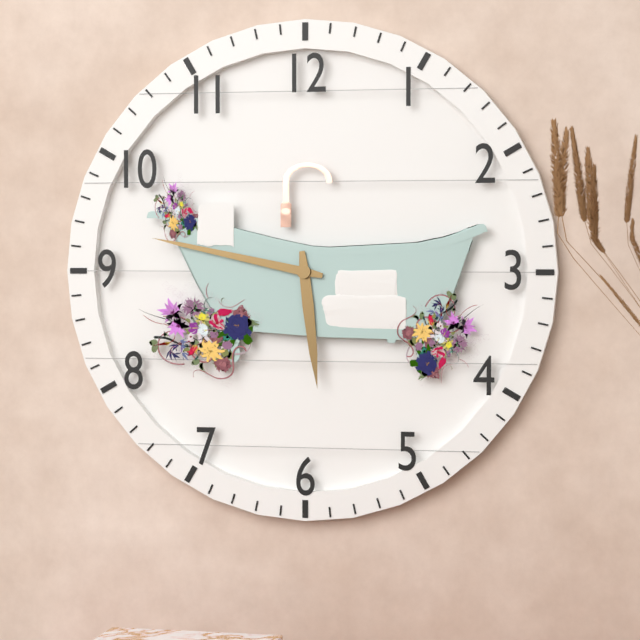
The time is 5,47
